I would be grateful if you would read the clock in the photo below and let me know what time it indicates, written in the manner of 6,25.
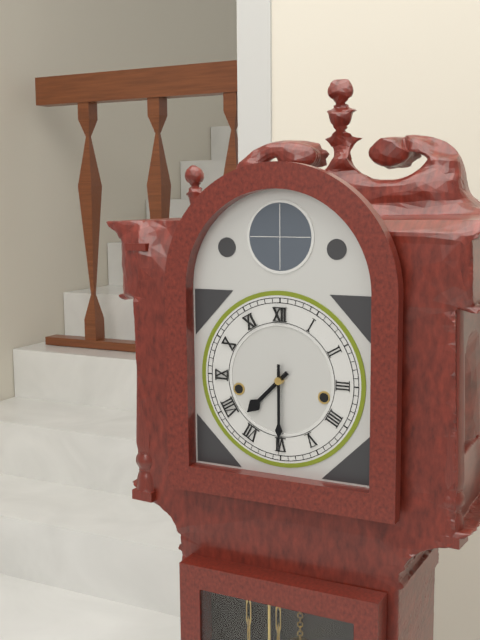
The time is 7,30
